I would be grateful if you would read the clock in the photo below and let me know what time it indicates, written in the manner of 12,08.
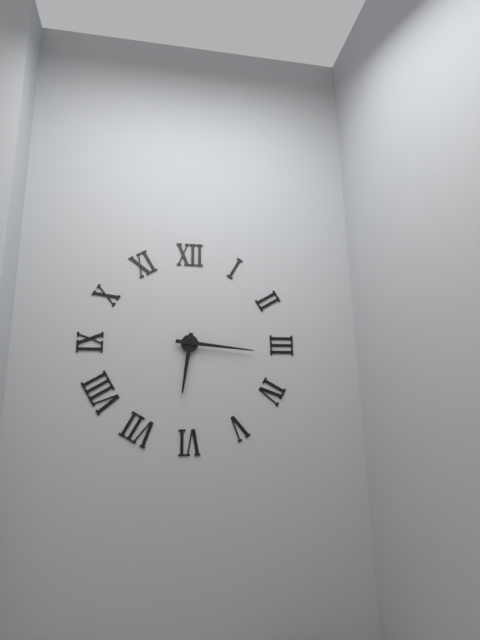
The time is 6,16
